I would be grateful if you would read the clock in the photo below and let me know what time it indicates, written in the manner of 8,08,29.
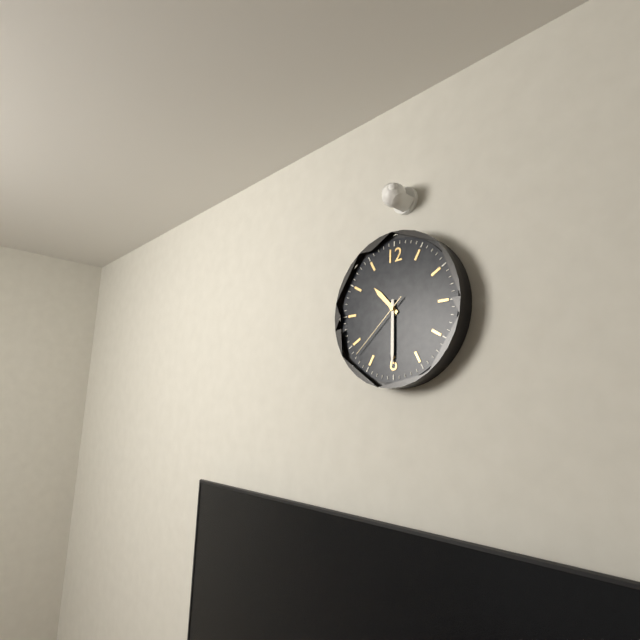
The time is 10,30,38
